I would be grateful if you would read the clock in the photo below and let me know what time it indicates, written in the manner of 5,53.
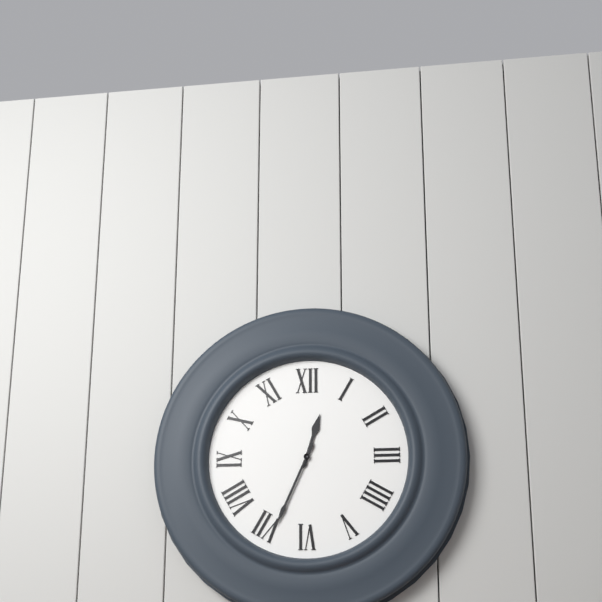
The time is 12,34
